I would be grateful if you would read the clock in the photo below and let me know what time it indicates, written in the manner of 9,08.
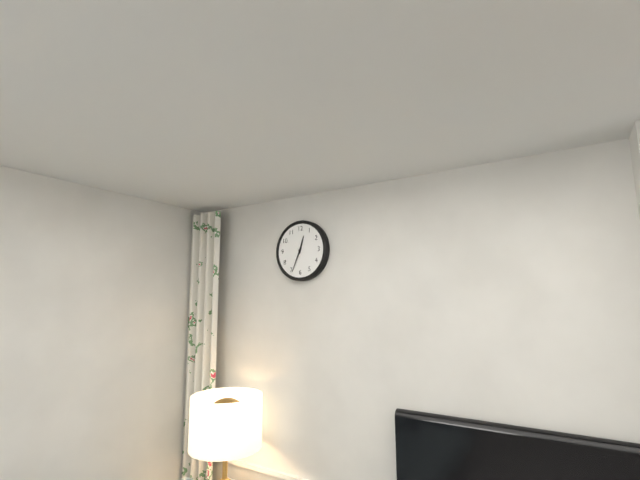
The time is 12,34
